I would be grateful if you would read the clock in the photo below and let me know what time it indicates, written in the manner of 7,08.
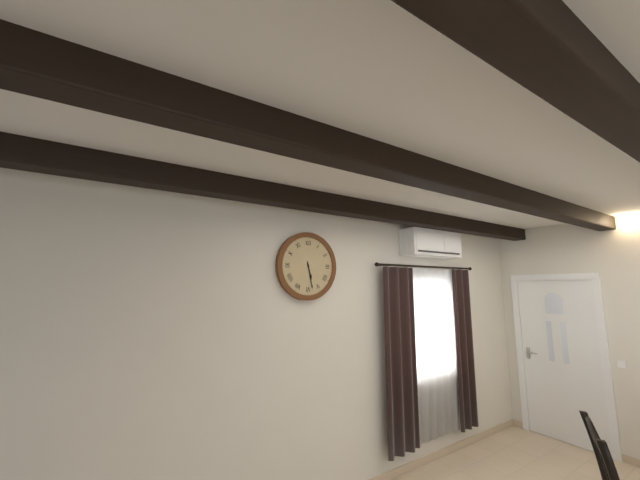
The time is 5,28
